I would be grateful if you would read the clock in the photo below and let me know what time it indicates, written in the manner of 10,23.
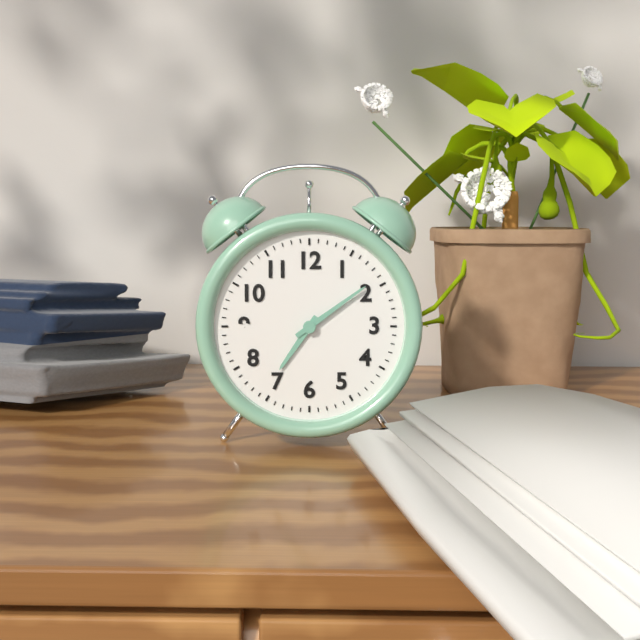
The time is 7,09
